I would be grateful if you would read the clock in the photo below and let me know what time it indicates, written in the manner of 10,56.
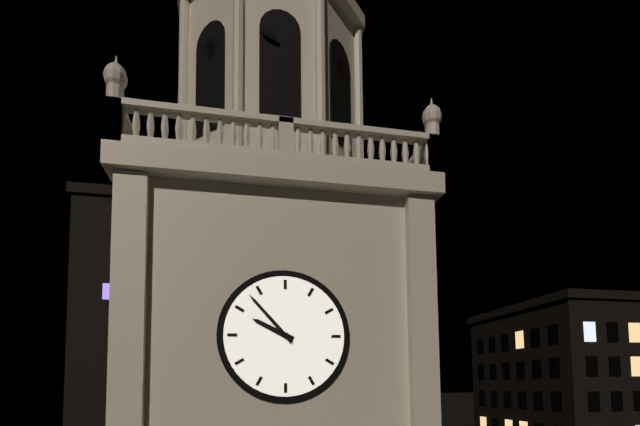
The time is 9,53
